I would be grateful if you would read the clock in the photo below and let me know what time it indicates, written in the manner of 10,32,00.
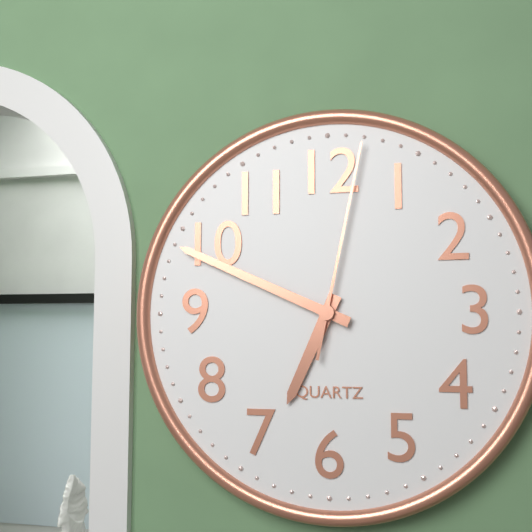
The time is 6,49,02
